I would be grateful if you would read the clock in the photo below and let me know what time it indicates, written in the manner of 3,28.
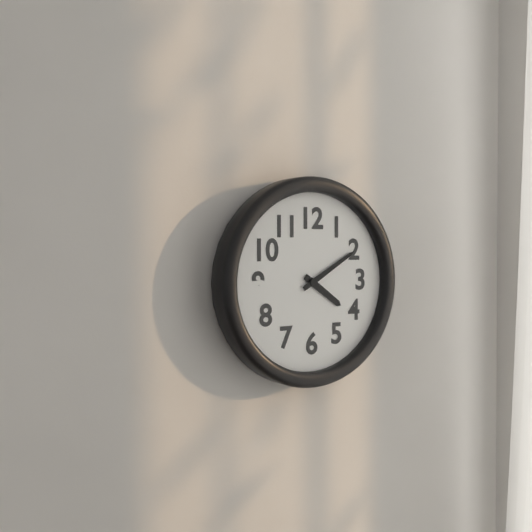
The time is 4,10
